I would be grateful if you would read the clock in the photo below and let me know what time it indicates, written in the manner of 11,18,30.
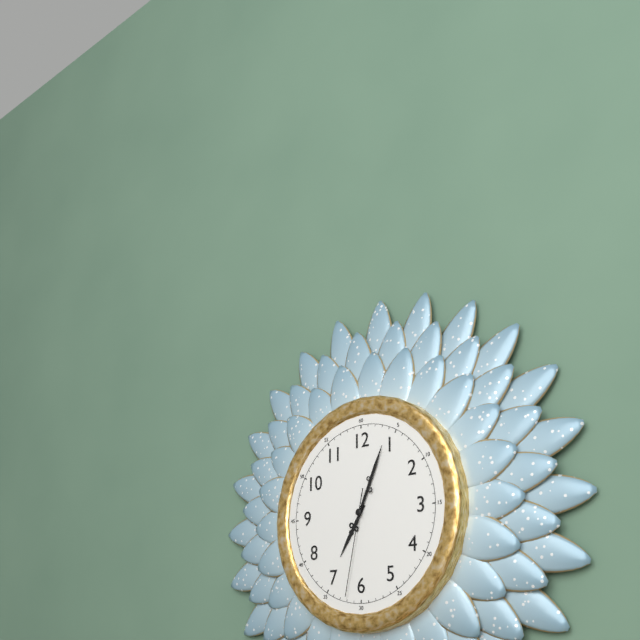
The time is 7,04,32
